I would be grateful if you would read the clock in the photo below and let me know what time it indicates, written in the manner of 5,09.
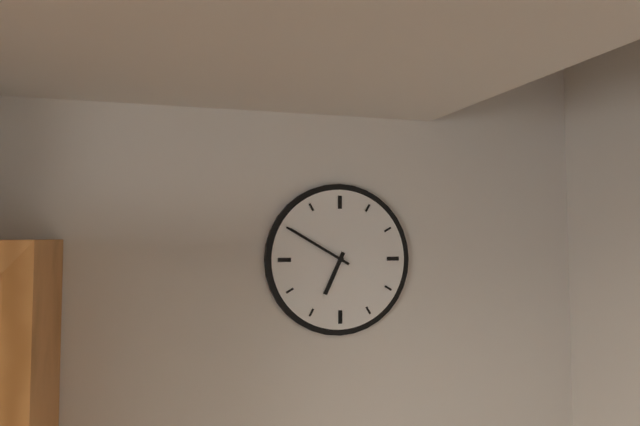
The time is 6,50
